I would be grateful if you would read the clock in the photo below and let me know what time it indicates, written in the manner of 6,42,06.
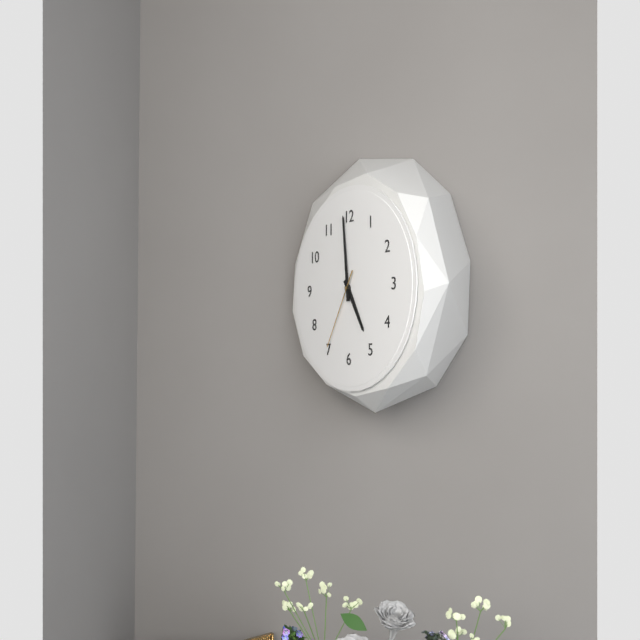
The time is 4,59,35
